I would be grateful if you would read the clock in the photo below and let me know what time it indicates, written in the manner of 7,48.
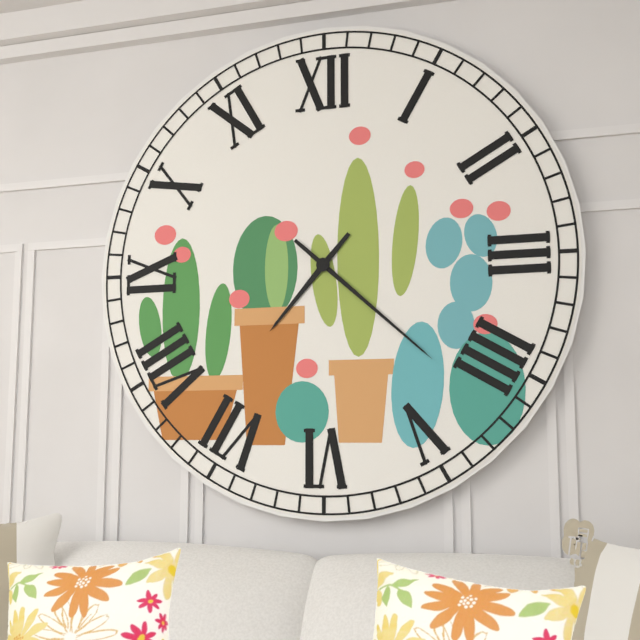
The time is 7,22
